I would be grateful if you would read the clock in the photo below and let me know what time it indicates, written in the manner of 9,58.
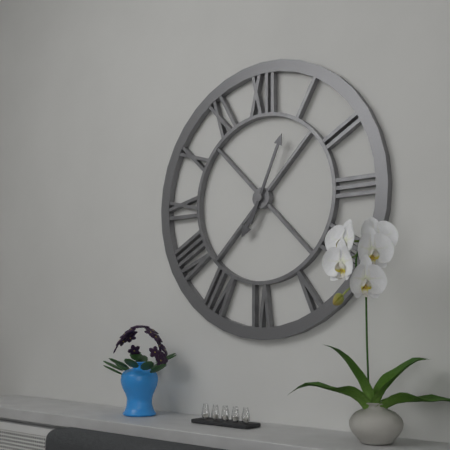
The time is 7,04
